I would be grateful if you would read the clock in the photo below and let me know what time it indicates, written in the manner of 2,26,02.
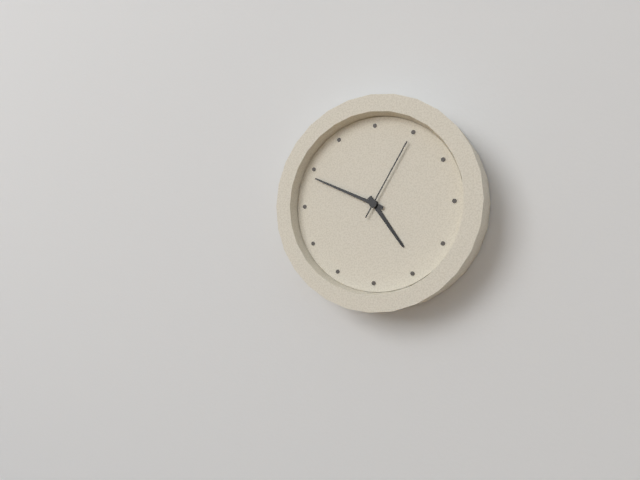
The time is 4,49,05
